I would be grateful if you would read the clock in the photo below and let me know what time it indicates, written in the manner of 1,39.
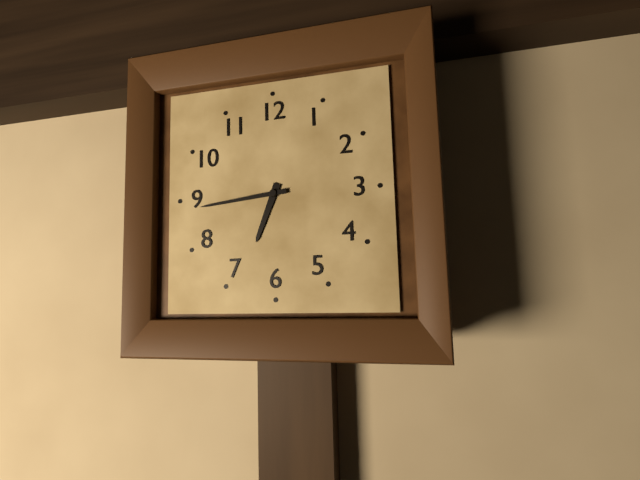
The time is 6,44
